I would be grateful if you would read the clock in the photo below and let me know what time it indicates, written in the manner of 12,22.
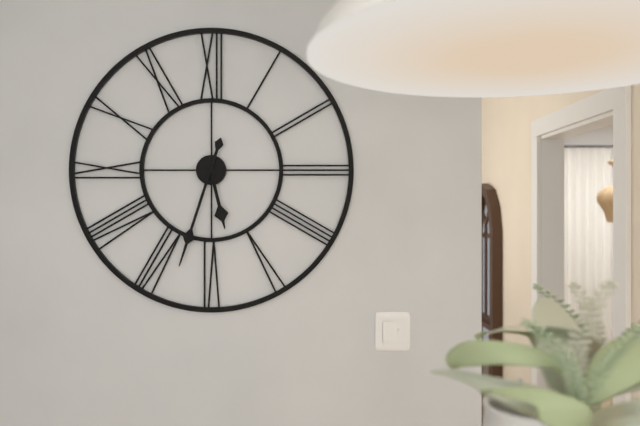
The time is 5,33
